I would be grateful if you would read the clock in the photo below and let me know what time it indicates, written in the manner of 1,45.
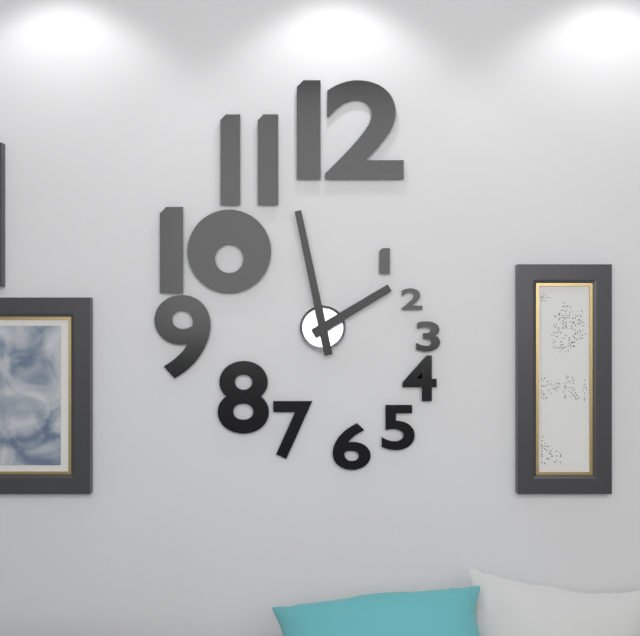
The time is 1,58
